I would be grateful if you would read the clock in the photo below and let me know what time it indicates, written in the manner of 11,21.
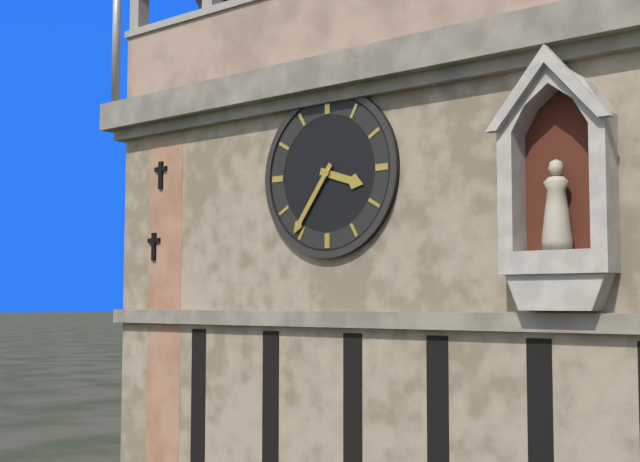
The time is 3,36
